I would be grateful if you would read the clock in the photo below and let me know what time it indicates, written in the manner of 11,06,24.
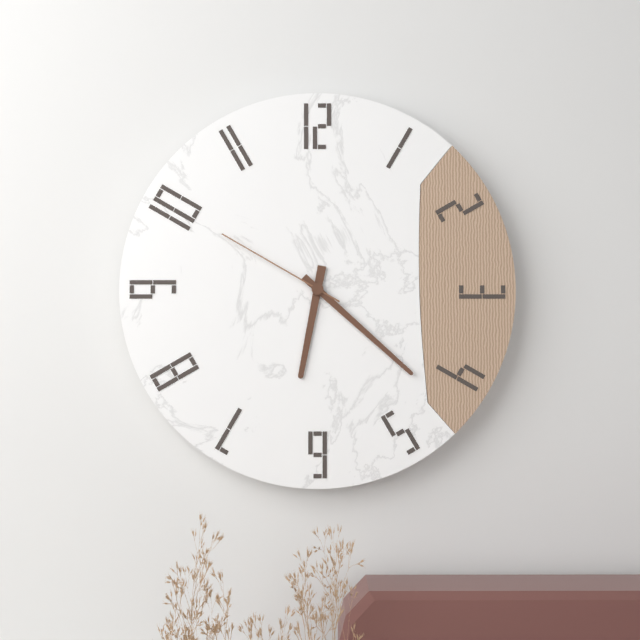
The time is 6,22,50
